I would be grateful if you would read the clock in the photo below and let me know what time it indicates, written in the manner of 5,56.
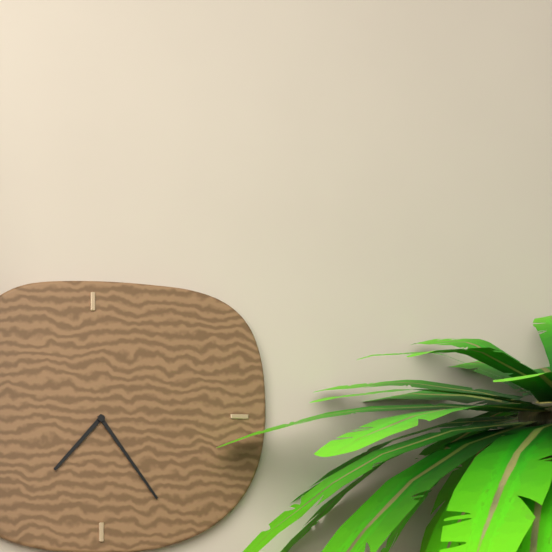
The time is 7,24
